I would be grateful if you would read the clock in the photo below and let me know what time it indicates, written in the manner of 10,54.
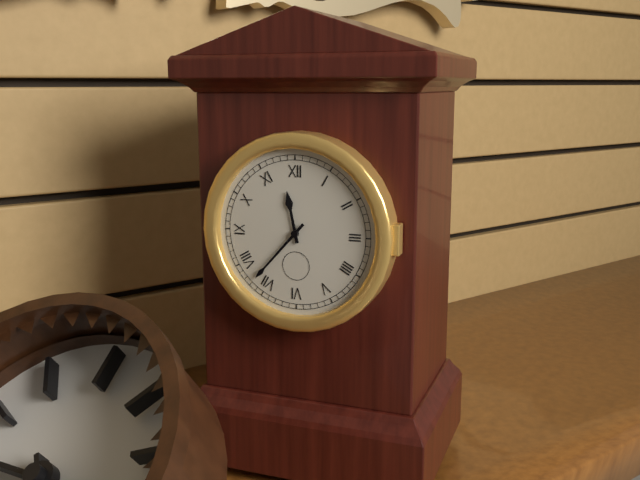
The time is 11,37
